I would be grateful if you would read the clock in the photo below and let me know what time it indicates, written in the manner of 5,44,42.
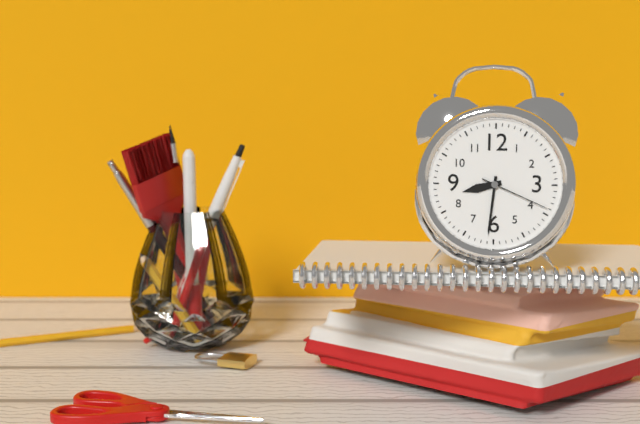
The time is 8,31,19
